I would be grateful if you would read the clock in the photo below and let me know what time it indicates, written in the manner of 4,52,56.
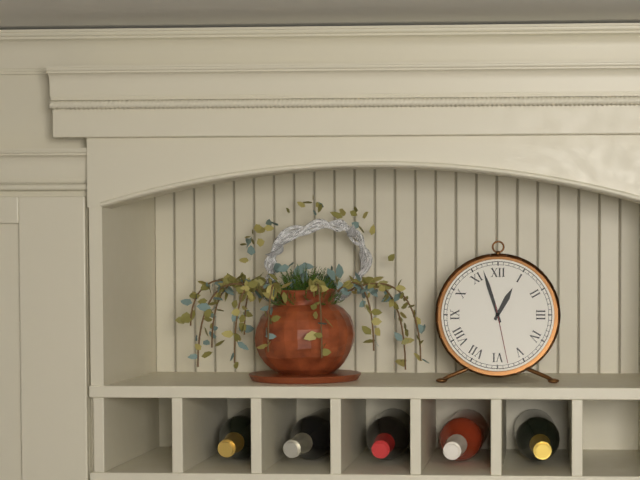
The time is 12,57,28
